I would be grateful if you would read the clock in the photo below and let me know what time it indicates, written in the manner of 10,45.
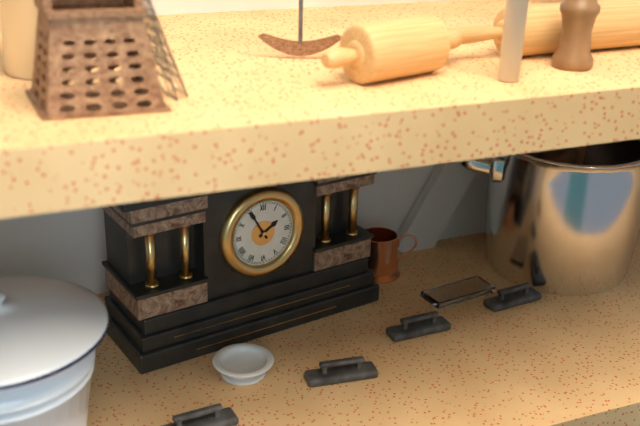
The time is 1,55
